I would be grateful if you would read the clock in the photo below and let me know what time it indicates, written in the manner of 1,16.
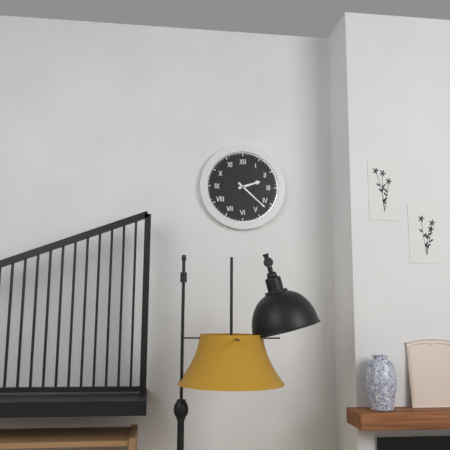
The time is 2,22
